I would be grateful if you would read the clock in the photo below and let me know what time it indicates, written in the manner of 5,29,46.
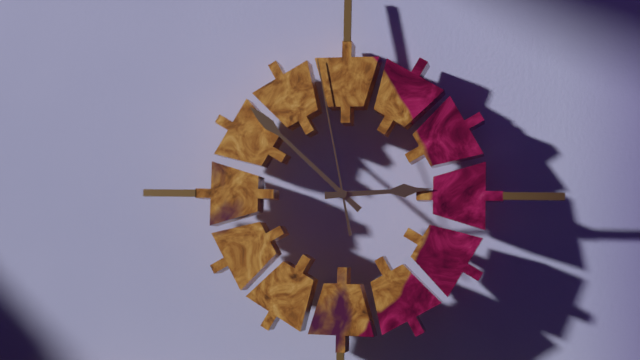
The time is 2,52,58
